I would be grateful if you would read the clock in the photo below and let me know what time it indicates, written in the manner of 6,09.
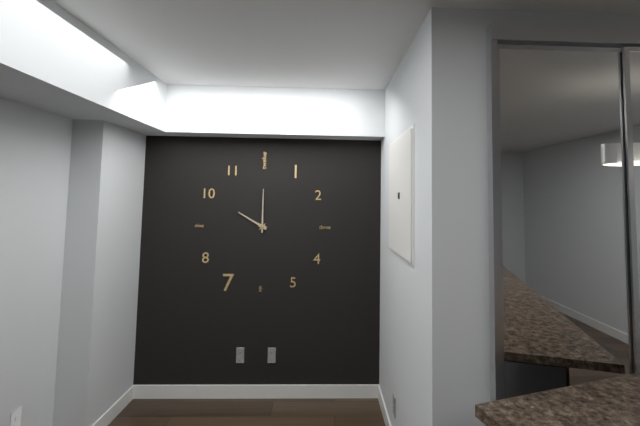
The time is 10,00
